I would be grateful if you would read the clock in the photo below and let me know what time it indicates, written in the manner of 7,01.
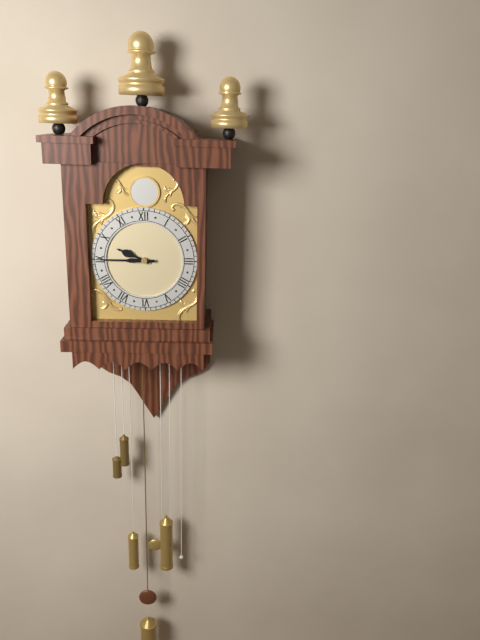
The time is 9,45
